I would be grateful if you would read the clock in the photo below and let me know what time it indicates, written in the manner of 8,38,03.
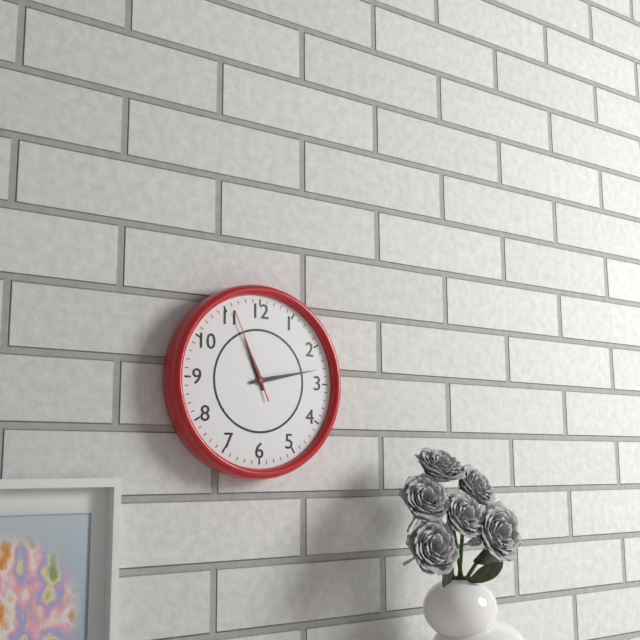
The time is 11,13,56
